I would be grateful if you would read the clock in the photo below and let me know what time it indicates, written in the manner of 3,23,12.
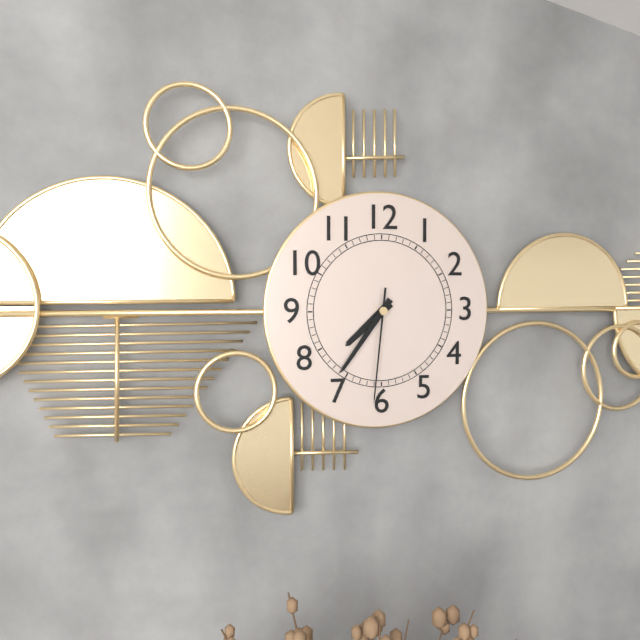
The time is 7,36,31
